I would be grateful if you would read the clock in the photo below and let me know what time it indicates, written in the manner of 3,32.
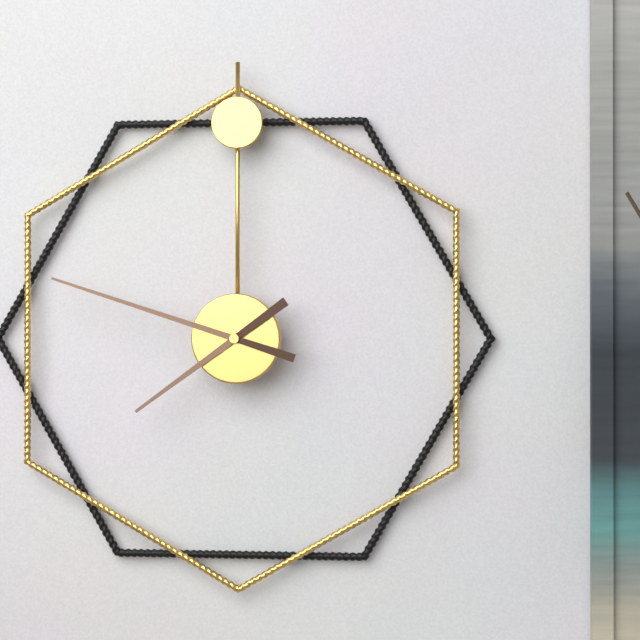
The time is 7,48
